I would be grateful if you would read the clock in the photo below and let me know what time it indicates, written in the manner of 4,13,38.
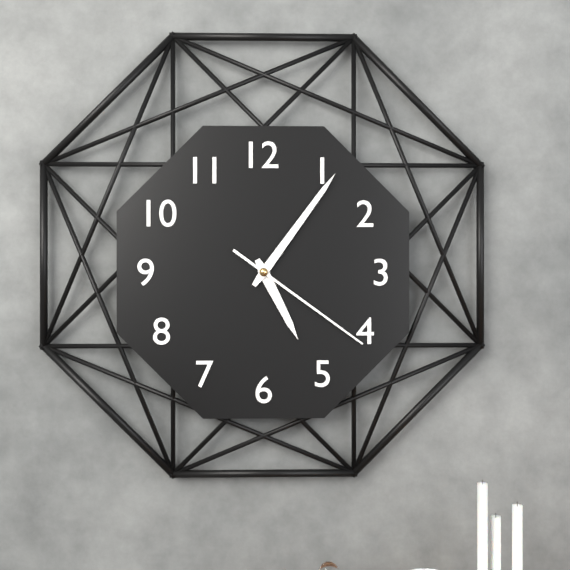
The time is 5,06,21
